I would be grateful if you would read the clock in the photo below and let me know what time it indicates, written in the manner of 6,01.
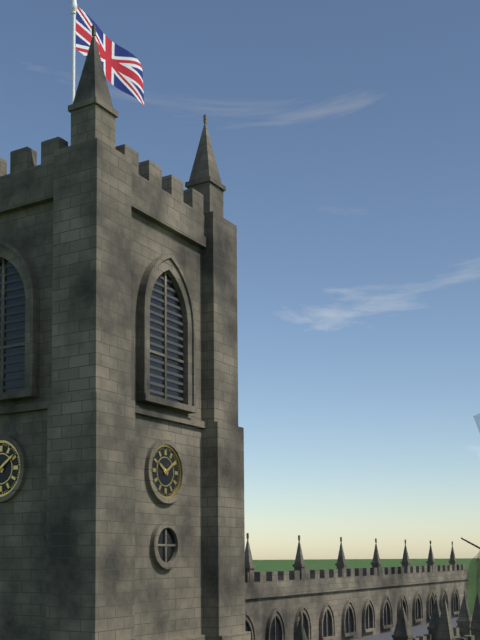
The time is 10,09
